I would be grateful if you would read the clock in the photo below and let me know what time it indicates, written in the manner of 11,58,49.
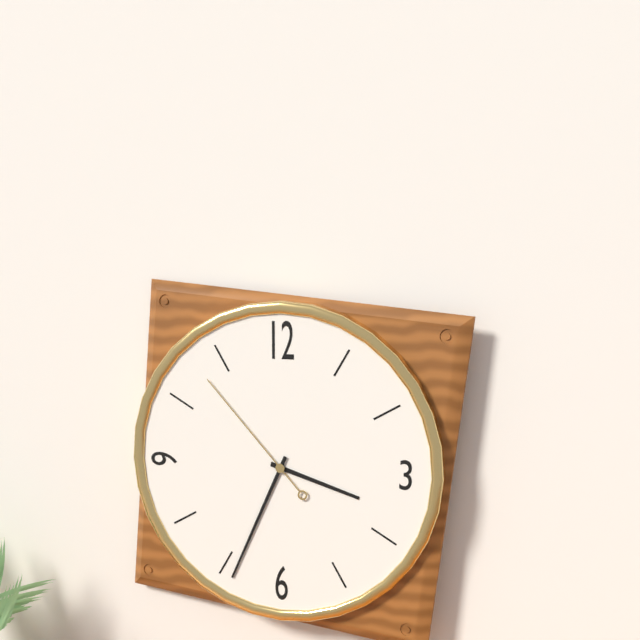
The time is 3,34,53
